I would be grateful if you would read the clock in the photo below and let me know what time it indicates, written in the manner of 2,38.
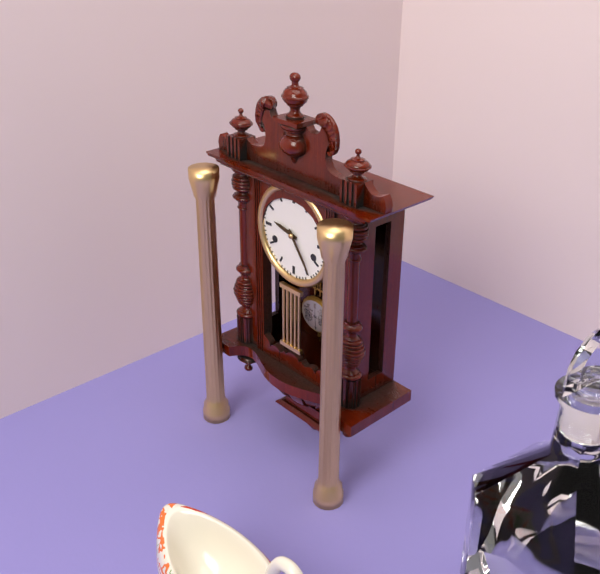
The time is 9,24
